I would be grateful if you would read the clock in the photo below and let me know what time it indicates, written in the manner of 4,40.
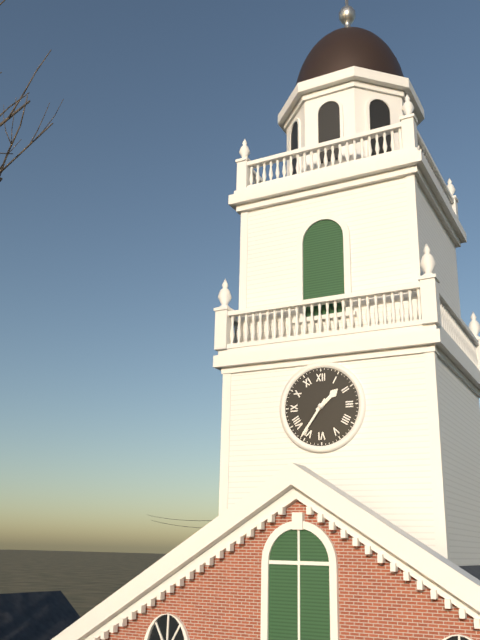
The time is 1,36
